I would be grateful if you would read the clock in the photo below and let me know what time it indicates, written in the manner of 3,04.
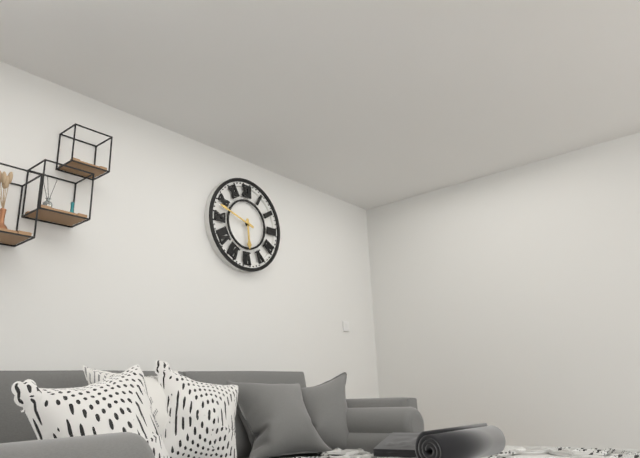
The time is 5,48
